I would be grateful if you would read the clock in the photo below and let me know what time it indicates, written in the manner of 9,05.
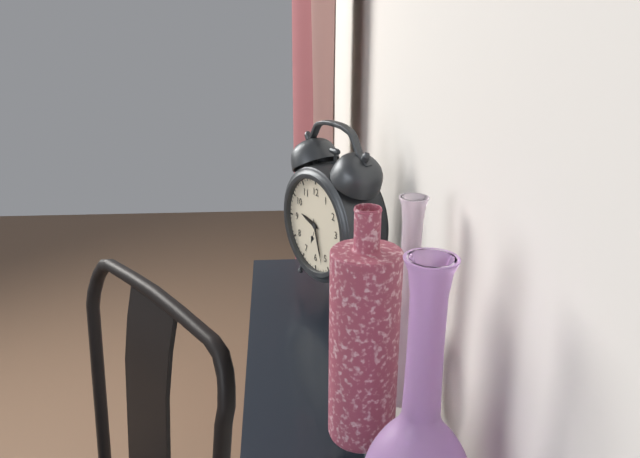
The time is 9,27
